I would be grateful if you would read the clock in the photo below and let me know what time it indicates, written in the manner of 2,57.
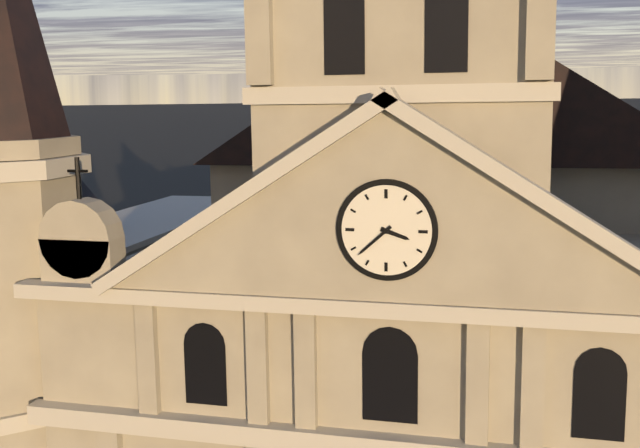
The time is 3,38
